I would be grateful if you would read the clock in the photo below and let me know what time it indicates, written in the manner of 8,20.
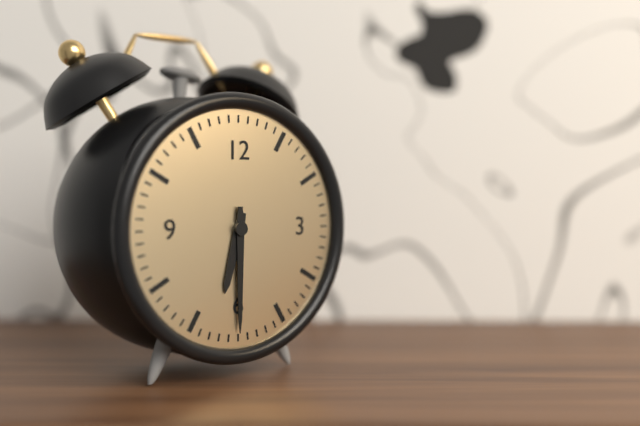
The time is 6,30
